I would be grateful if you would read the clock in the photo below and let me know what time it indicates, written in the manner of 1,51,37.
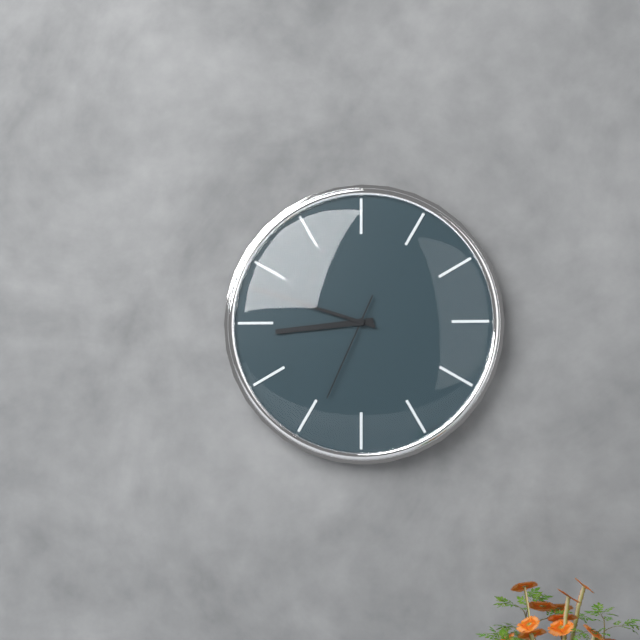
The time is 8,48,34
